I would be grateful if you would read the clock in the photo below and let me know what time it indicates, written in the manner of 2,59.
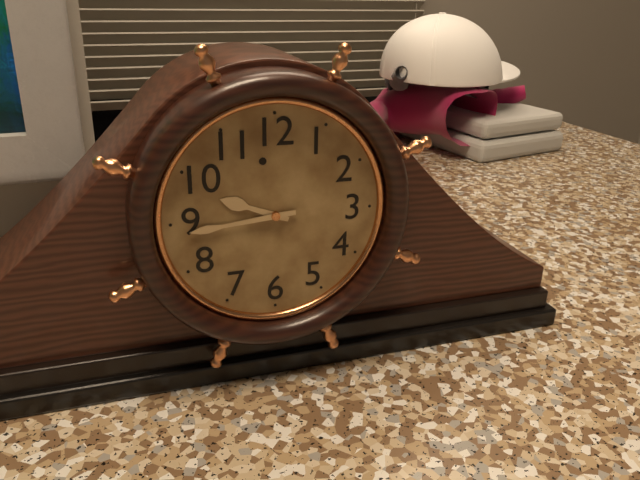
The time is 9,44
